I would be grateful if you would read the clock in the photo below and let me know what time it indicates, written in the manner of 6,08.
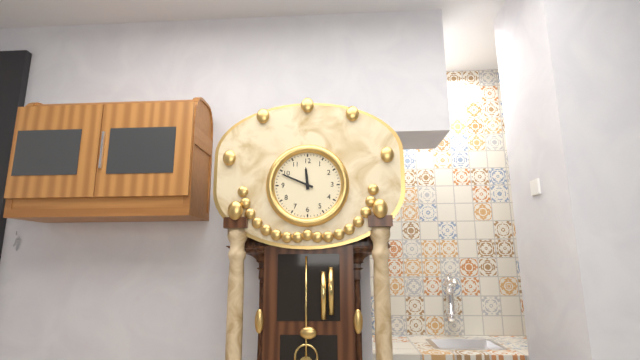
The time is 11,49
